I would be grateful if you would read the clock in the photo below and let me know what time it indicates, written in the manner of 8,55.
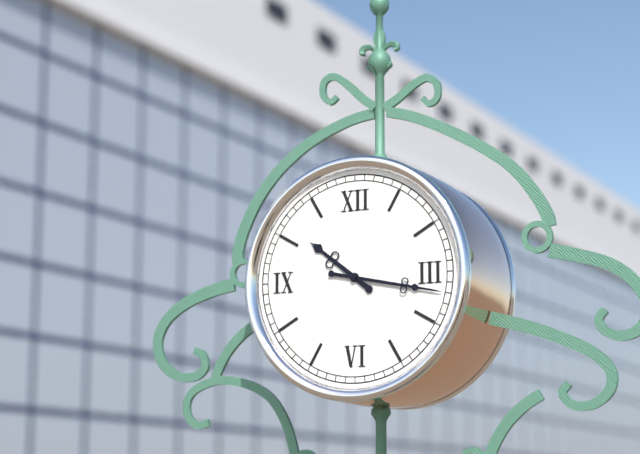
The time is 10,17
